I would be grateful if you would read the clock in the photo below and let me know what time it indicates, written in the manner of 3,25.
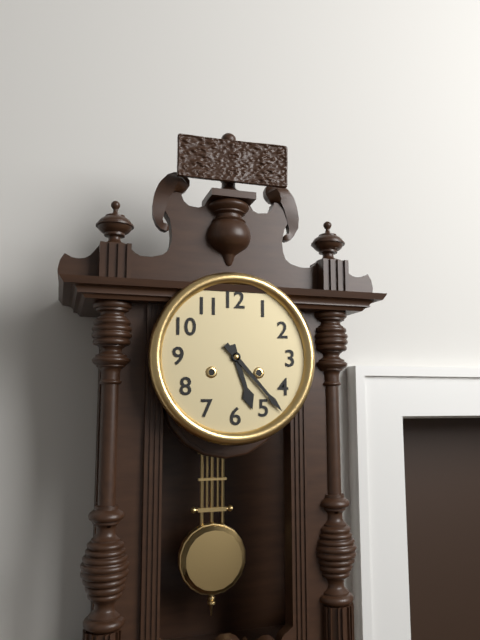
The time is 5,23
